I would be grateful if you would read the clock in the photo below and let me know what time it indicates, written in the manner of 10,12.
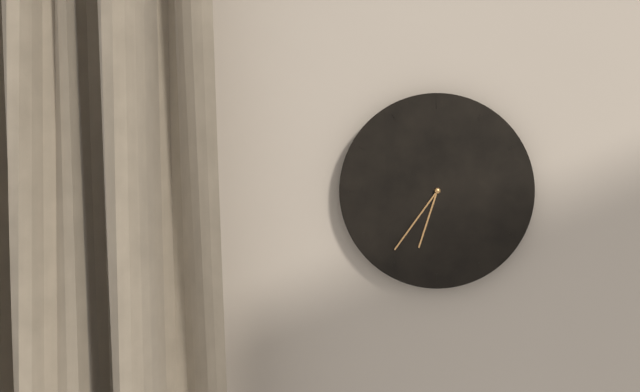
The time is 6,36
